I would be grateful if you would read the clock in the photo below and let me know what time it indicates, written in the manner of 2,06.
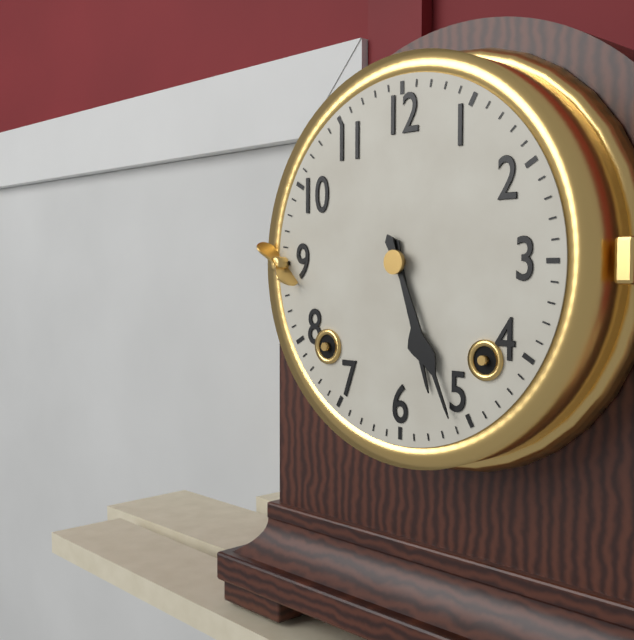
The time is 5,26
